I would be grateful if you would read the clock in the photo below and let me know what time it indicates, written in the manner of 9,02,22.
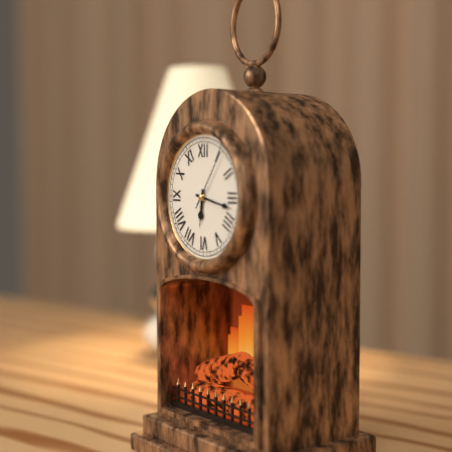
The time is 6,17,06
